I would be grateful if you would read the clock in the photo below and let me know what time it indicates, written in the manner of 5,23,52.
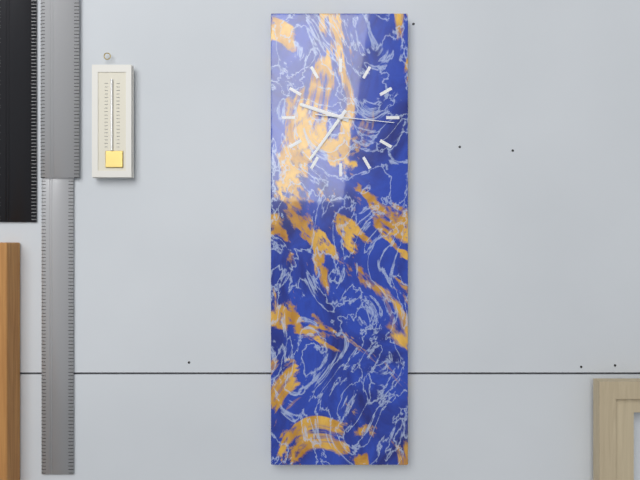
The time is 9,36,16
